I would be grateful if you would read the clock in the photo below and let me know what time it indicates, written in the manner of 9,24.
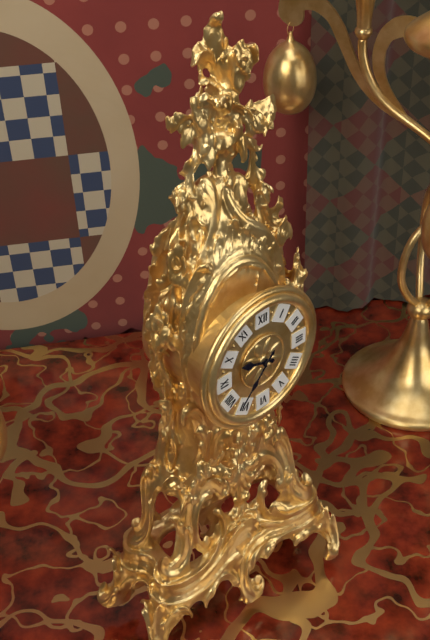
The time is 9,37
